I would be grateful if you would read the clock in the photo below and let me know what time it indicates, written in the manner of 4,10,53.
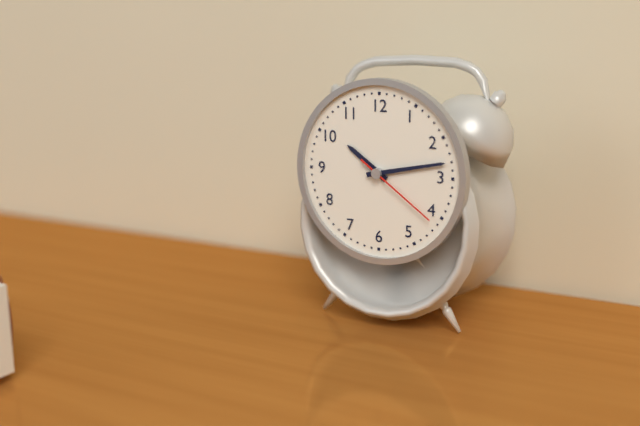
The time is 10,13,21
